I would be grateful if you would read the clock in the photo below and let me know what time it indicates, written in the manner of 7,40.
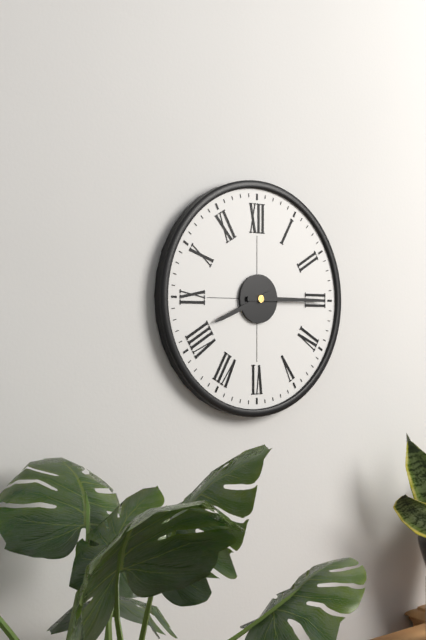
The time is 8,15
